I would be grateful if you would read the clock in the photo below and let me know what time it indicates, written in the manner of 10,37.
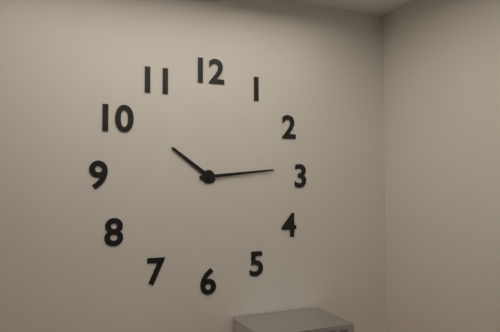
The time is 10,14
